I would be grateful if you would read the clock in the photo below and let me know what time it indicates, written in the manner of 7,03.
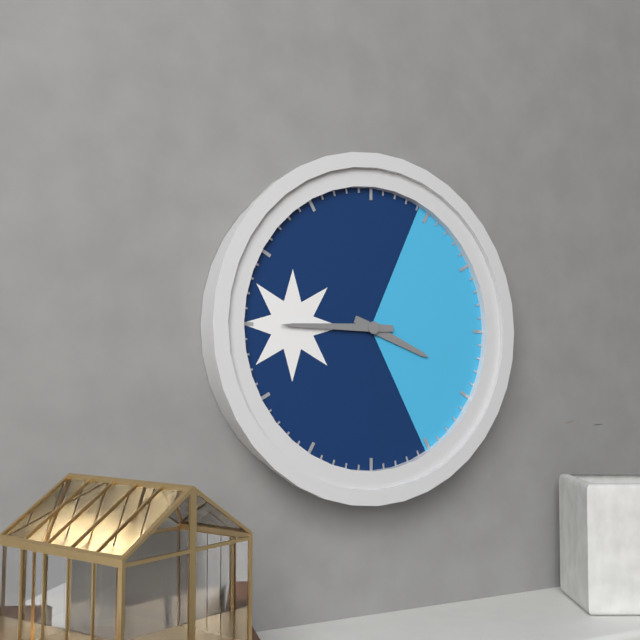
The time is 3,45
